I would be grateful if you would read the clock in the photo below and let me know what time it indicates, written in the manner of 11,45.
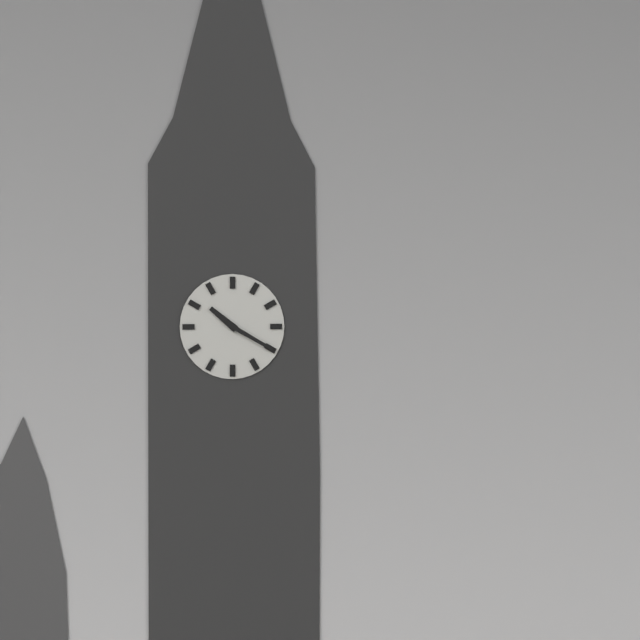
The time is 10,20
